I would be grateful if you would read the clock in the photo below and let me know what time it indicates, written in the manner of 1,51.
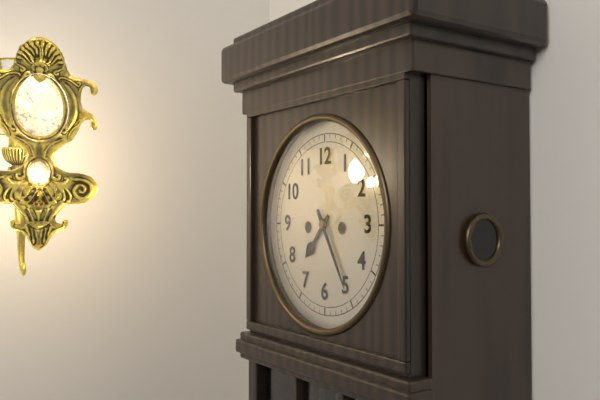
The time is 7,25
